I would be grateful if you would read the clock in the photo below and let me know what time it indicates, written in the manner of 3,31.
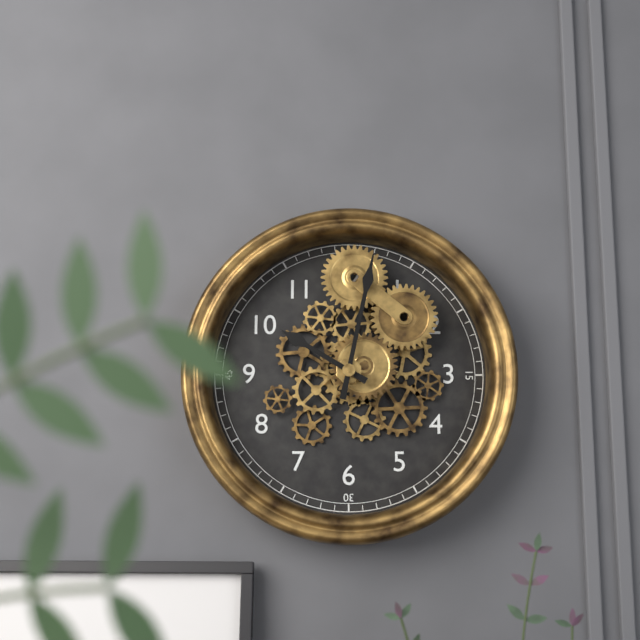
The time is 10,02
